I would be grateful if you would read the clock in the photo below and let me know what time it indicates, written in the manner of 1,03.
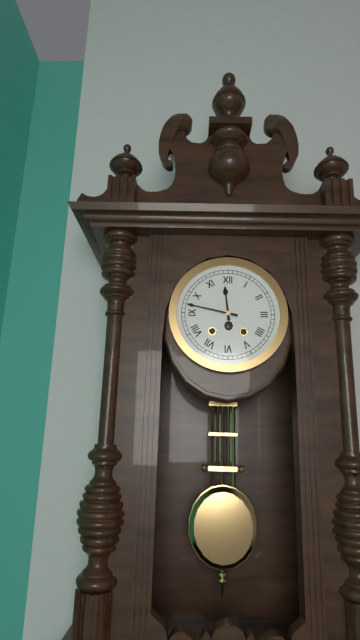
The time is 11,47
